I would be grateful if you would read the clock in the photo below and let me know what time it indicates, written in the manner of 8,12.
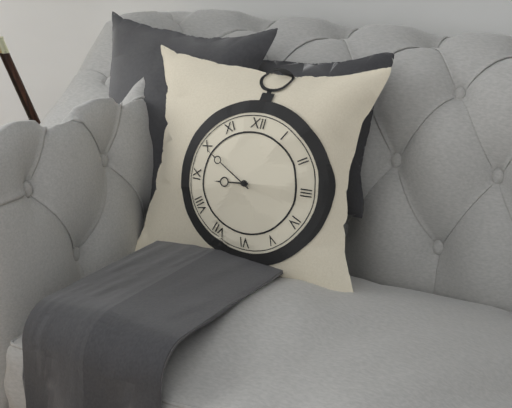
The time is 8,50
